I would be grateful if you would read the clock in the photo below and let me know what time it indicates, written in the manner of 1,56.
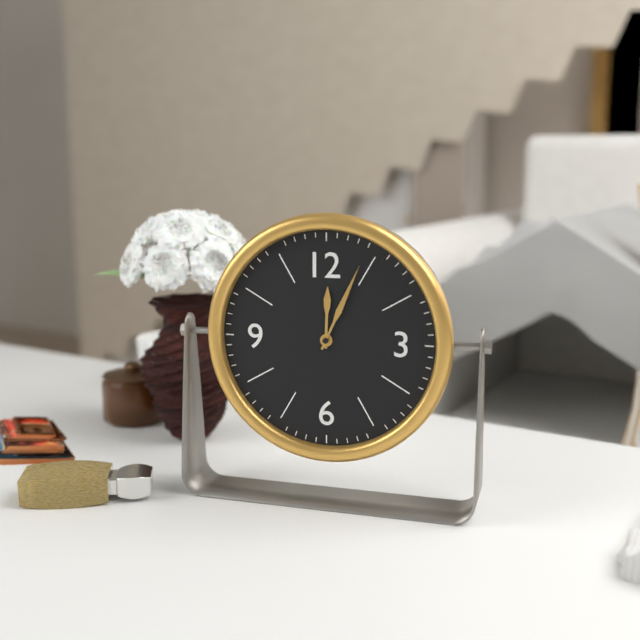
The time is 12,04
